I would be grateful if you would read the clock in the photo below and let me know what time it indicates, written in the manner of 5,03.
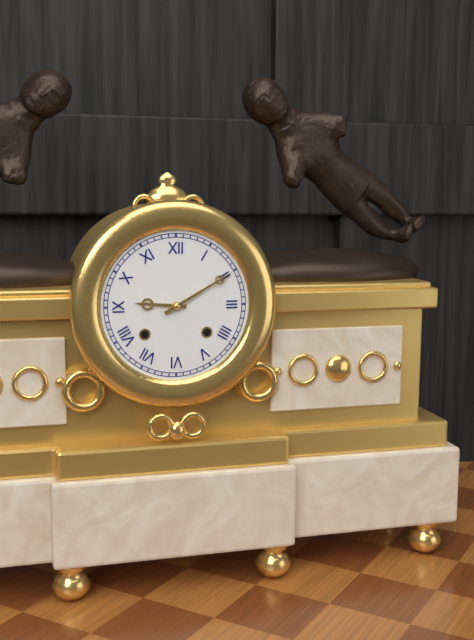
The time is 9,10
